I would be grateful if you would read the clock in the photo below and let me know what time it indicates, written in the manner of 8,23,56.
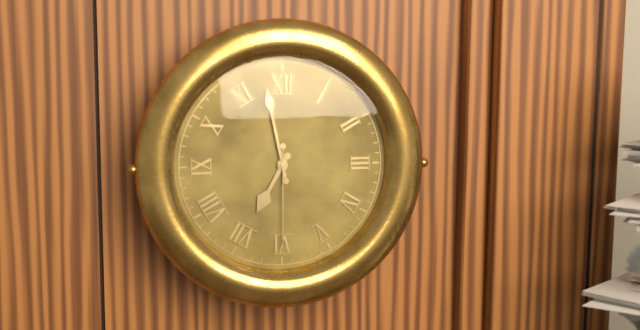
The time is 6,58,30
